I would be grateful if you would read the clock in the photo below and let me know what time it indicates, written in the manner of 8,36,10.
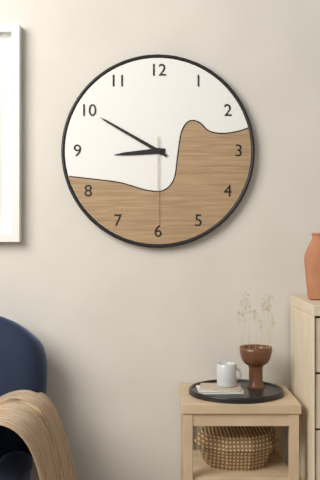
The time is 8,50,30
